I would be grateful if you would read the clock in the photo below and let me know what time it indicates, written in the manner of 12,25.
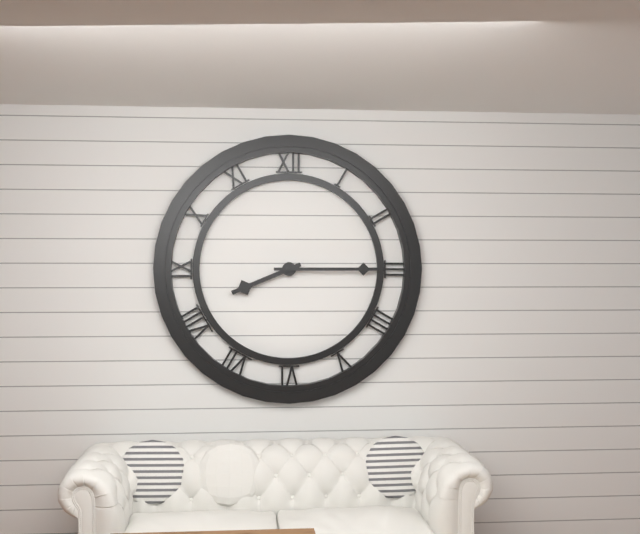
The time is 8,15
